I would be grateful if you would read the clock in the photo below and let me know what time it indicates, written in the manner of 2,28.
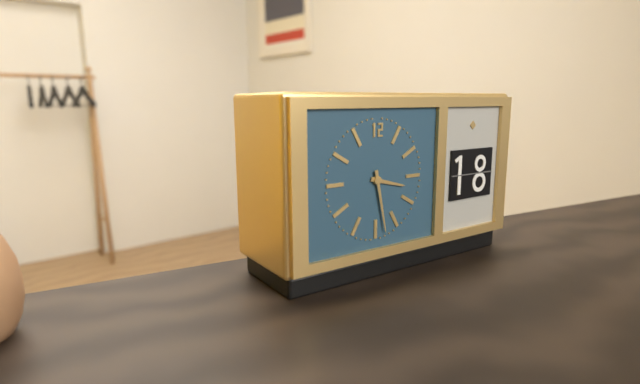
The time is 3,28
